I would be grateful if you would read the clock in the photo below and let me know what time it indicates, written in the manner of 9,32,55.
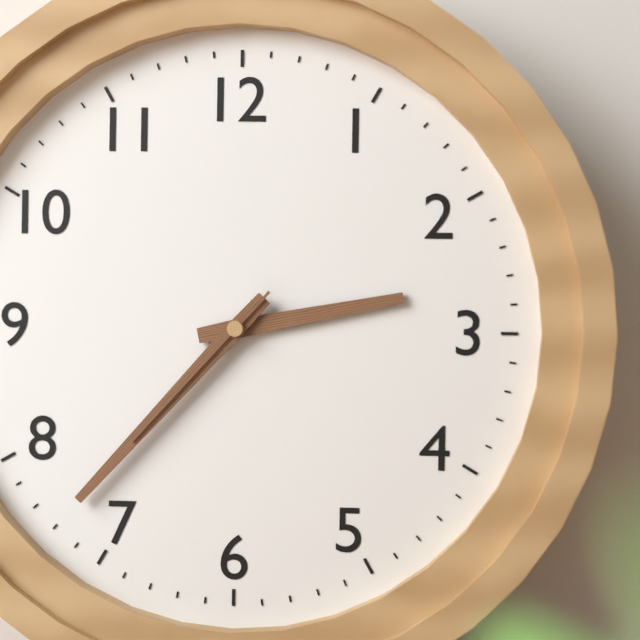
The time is 2,37,37
